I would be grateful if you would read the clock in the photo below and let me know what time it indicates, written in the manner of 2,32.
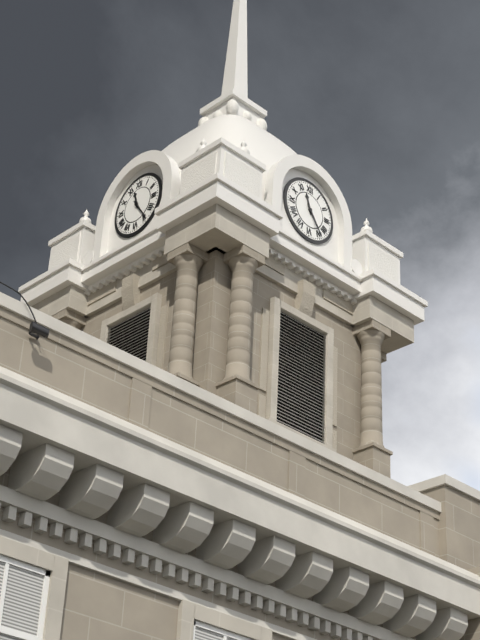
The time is 11,24
